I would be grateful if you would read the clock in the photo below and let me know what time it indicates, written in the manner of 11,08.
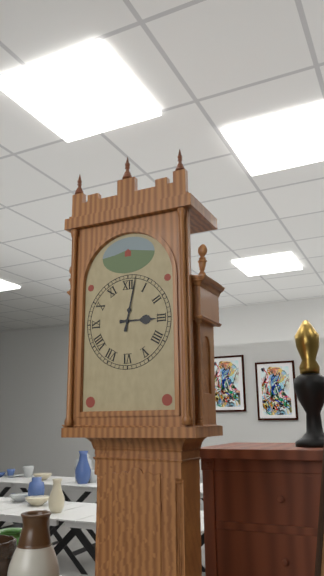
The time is 3,02
